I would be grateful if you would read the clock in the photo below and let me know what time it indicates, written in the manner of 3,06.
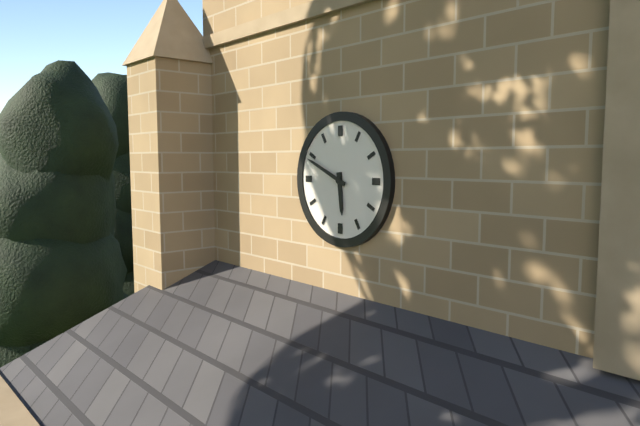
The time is 5,49
